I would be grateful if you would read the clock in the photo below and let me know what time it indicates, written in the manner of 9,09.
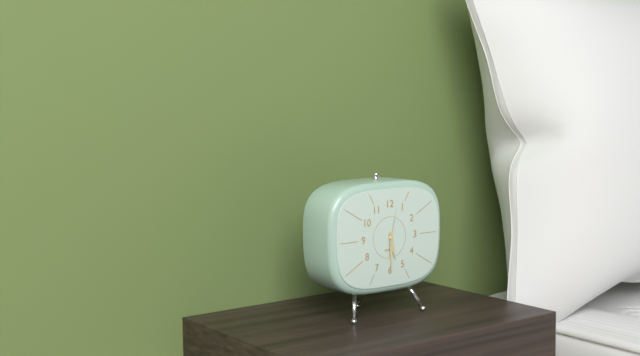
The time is 5,30
